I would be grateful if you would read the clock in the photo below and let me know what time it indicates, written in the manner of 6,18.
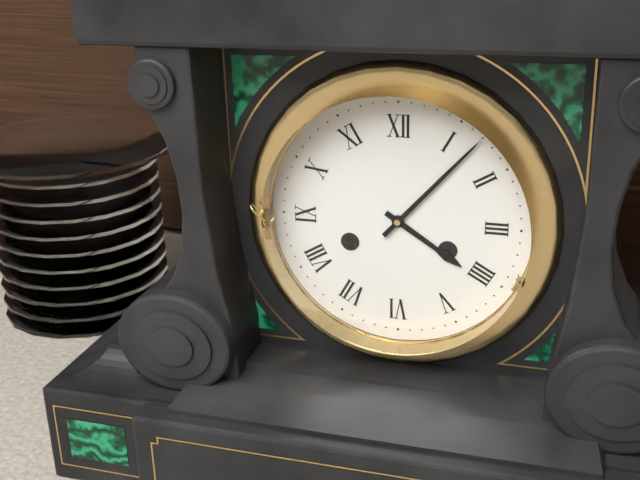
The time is 4,07
